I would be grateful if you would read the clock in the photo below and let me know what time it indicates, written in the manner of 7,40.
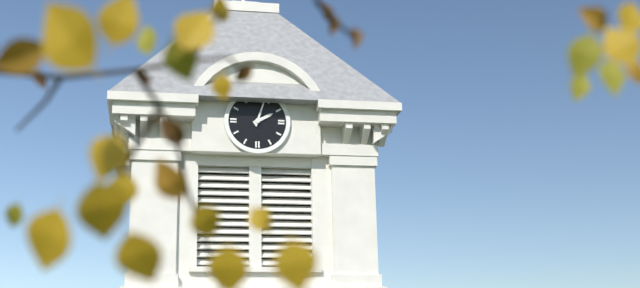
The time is 2,03
